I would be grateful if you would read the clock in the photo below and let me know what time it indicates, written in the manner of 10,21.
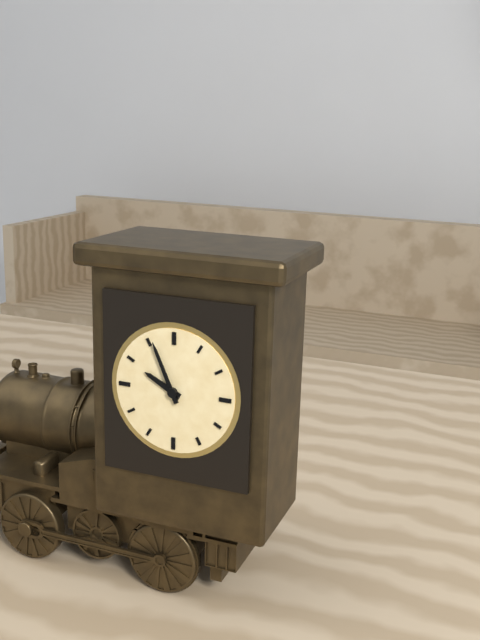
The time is 9,56
